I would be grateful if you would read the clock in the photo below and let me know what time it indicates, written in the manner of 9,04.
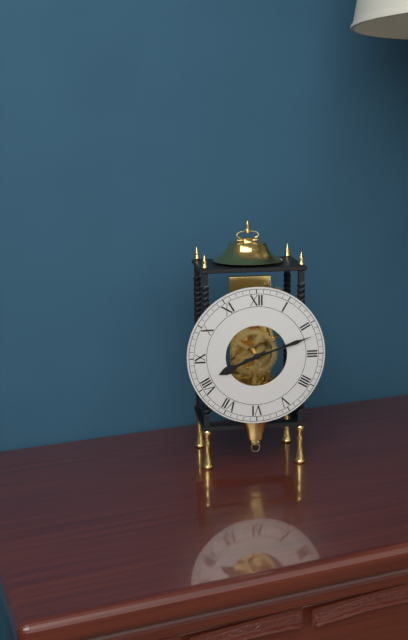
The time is 8,12
